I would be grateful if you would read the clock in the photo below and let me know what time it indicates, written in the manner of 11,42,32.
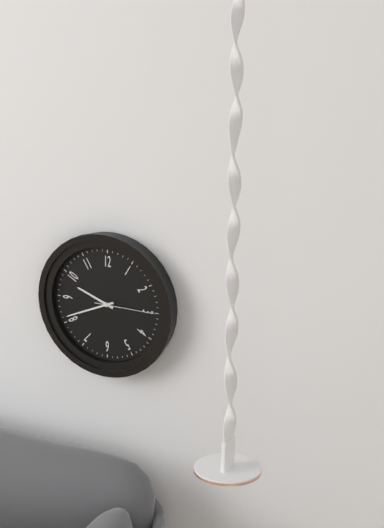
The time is 9,41,15
